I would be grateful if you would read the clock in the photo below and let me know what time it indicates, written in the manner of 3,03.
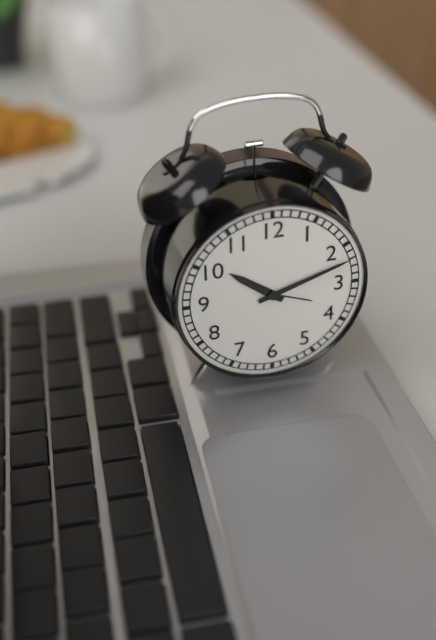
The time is 10,12
